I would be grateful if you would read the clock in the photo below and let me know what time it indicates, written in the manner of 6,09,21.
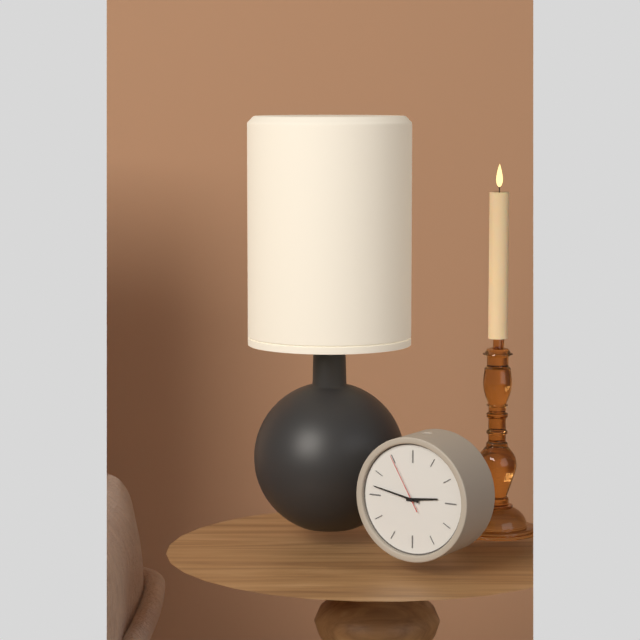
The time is 2,47,55
